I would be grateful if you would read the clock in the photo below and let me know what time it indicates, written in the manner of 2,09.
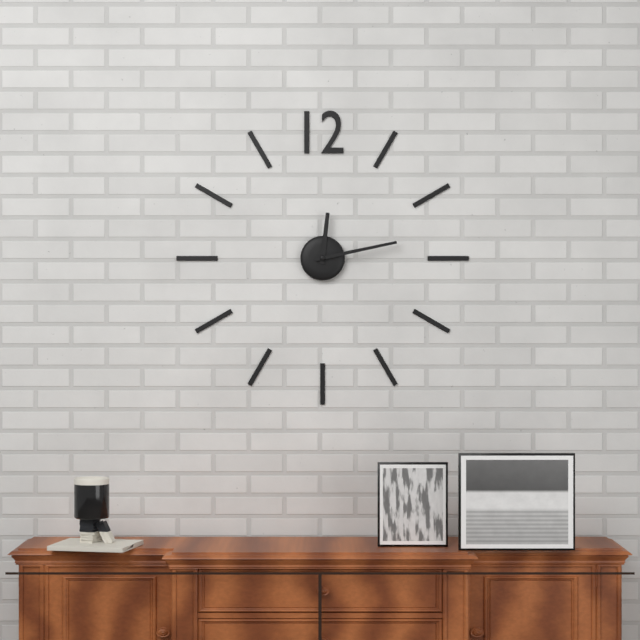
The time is 12,13
